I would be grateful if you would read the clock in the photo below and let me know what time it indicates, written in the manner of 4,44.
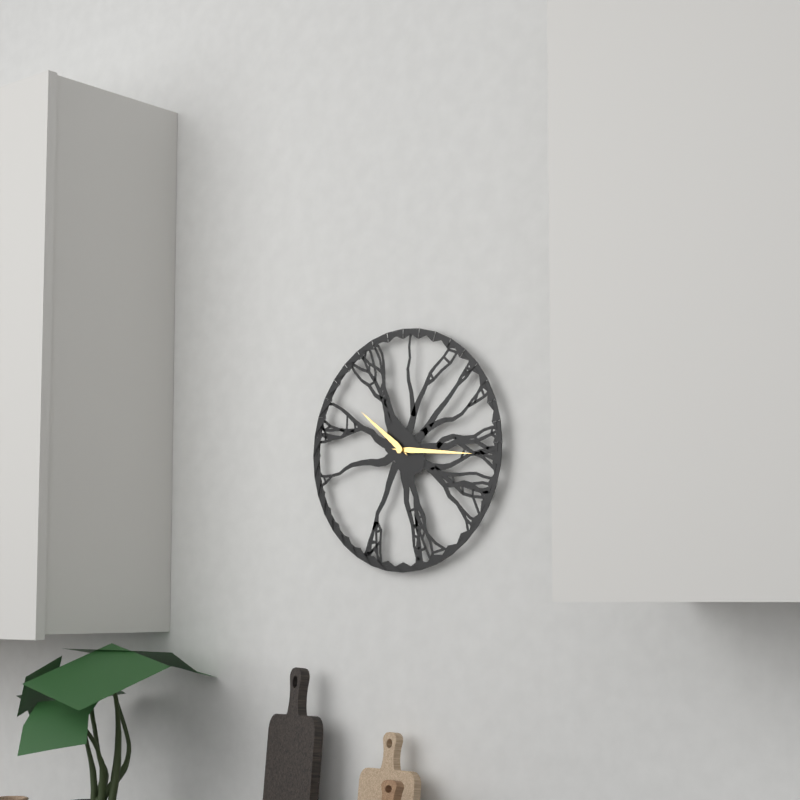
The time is 10,16
